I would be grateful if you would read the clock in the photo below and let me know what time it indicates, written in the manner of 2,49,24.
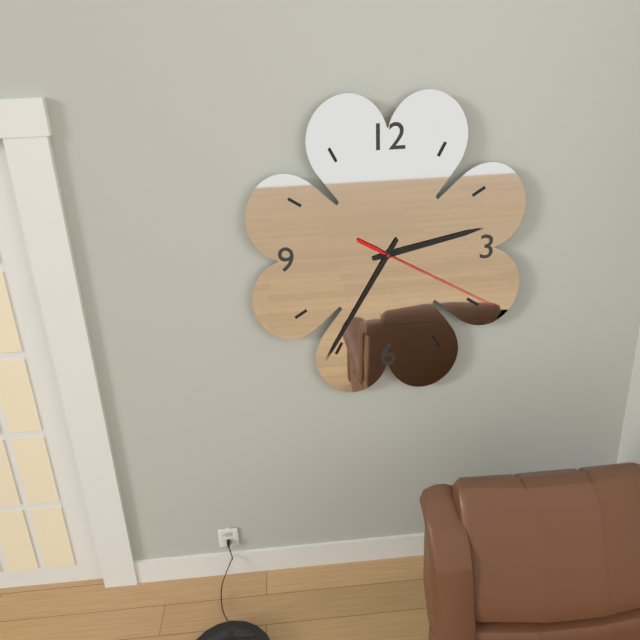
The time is 2,35,20
